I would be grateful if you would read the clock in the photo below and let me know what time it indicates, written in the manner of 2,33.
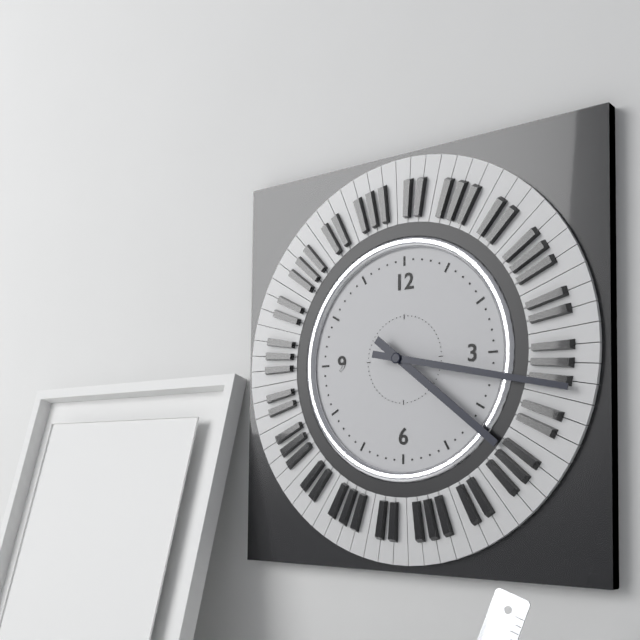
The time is 4,17
